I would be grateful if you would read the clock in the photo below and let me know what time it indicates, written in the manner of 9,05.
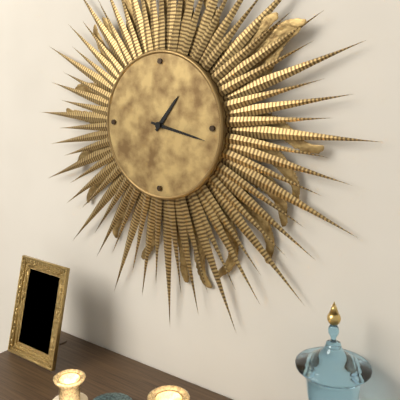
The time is 1,17
